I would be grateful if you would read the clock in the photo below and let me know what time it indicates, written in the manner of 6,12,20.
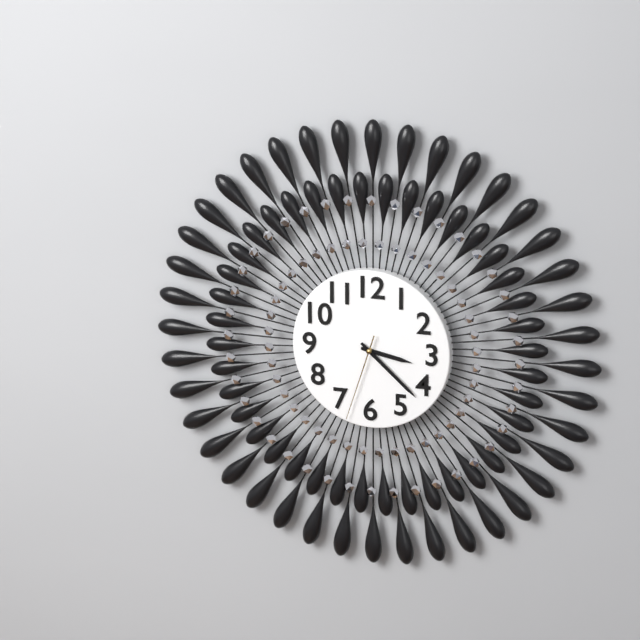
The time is 3,22,33
